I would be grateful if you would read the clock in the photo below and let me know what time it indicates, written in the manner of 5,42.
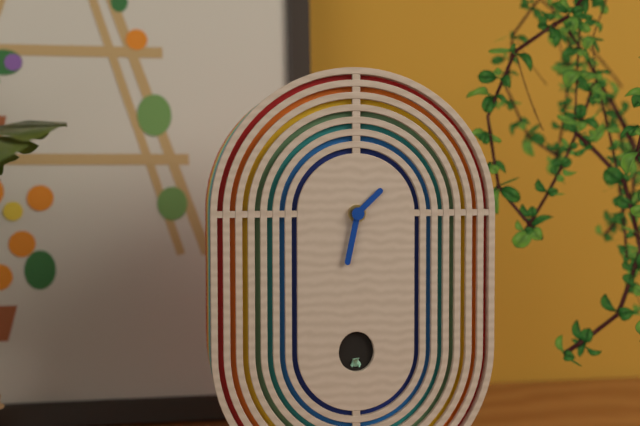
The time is 1,32
